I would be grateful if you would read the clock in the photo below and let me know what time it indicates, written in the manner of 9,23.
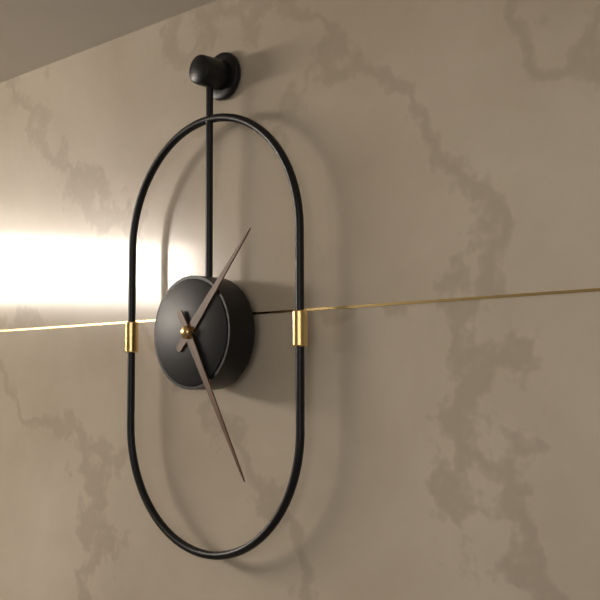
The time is 1,25
